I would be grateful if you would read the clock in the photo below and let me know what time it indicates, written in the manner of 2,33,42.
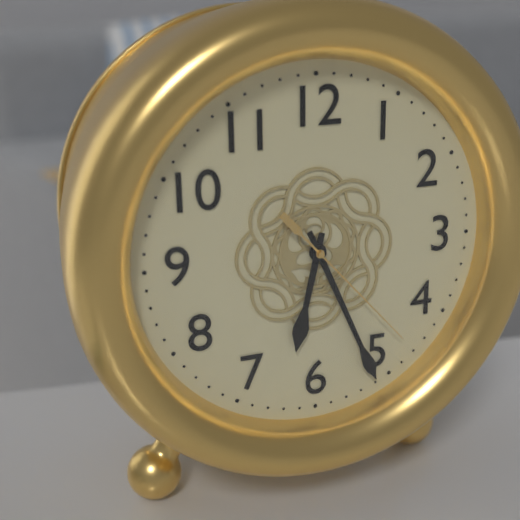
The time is 6,26,23
